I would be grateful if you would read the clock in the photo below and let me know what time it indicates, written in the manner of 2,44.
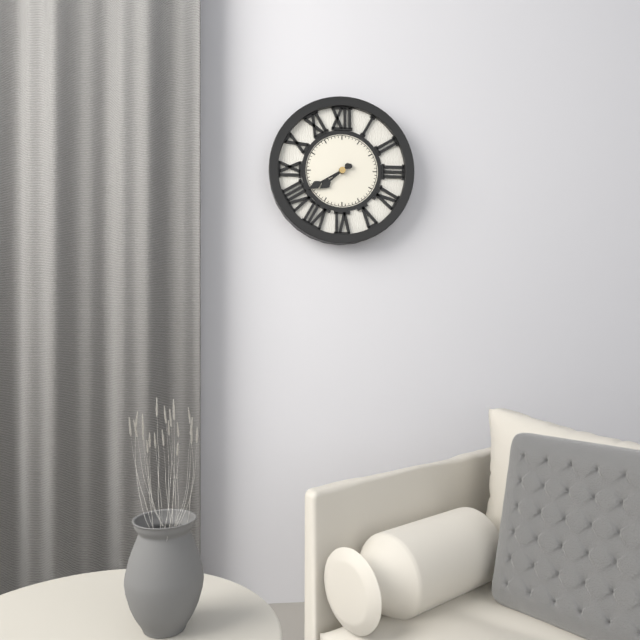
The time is 7,40
